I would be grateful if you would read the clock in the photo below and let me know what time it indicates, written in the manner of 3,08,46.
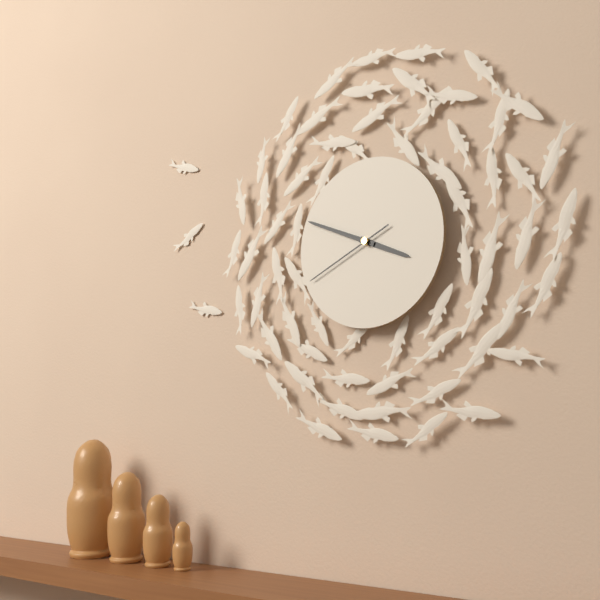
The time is 3,49,41
